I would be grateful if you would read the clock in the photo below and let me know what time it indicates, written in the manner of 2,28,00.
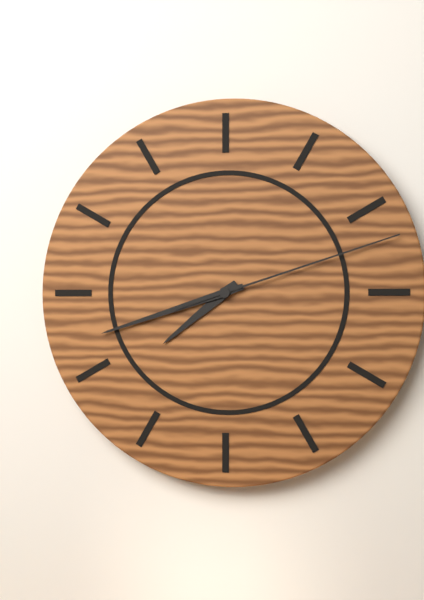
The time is 7,42,12
